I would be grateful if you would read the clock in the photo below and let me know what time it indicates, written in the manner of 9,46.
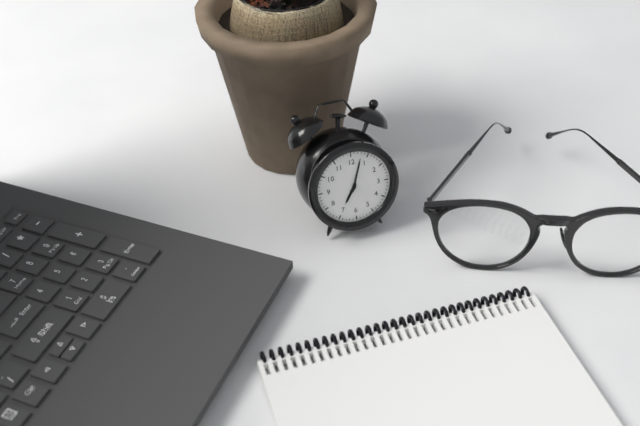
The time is 7,03
